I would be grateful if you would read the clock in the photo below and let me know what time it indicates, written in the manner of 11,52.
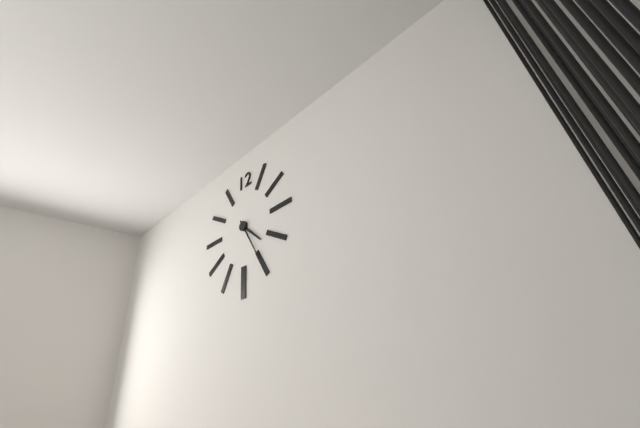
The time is 4,25
